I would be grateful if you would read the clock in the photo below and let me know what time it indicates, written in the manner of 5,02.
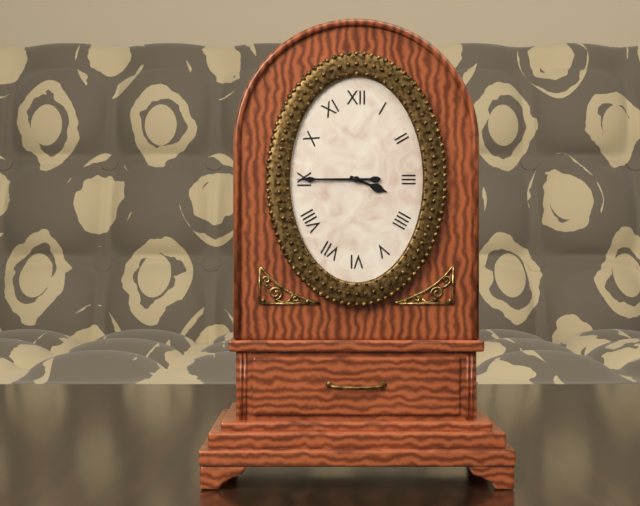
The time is 3,45
